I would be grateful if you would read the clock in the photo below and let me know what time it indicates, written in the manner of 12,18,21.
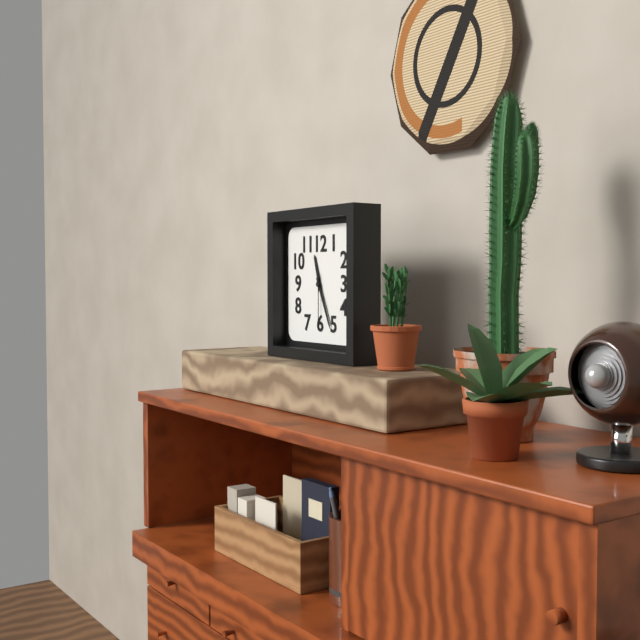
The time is 11,26,30
